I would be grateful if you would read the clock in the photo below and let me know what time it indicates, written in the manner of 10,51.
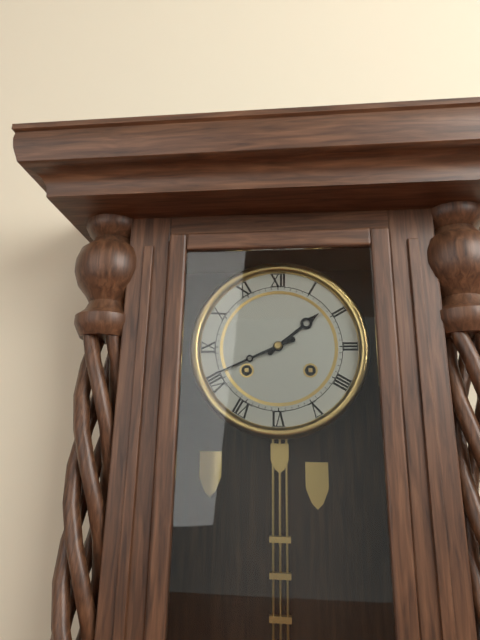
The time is 1,41
